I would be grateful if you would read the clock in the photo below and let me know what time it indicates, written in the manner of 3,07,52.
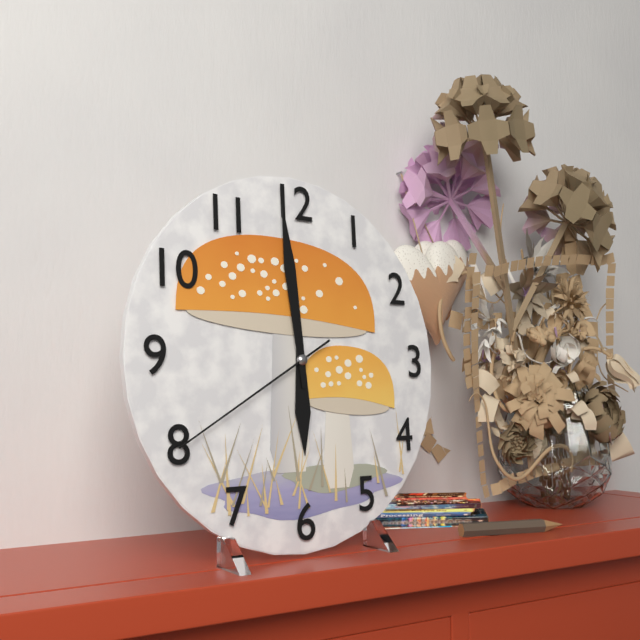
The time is 5,59,40
